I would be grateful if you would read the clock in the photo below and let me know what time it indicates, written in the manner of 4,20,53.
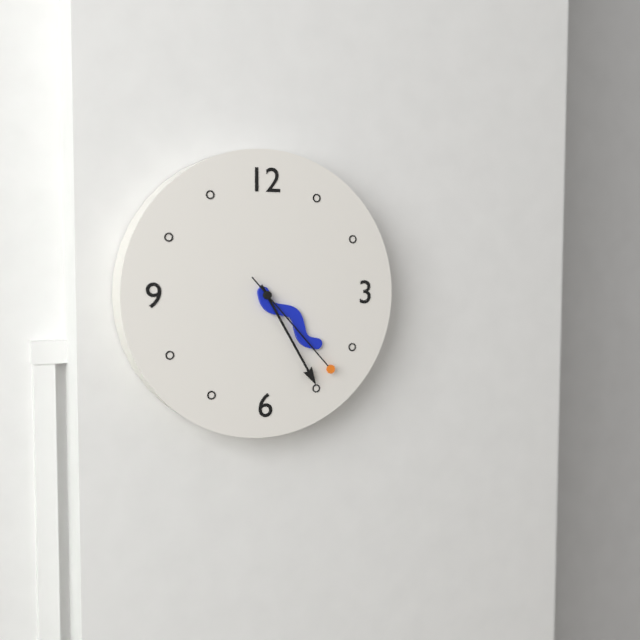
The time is 4,25,23
